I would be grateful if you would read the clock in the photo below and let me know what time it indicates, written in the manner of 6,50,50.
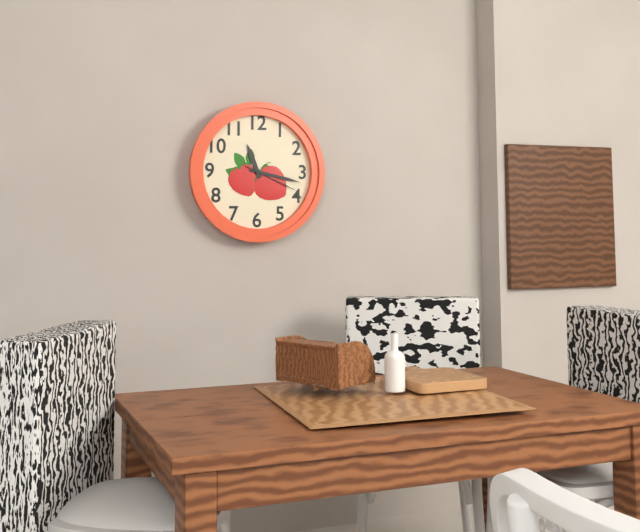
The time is 11,17,19
